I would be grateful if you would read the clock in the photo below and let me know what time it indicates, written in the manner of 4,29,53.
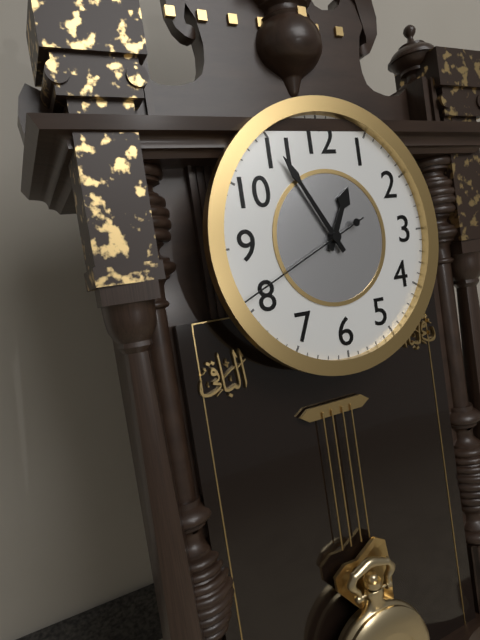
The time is 12,55,41
